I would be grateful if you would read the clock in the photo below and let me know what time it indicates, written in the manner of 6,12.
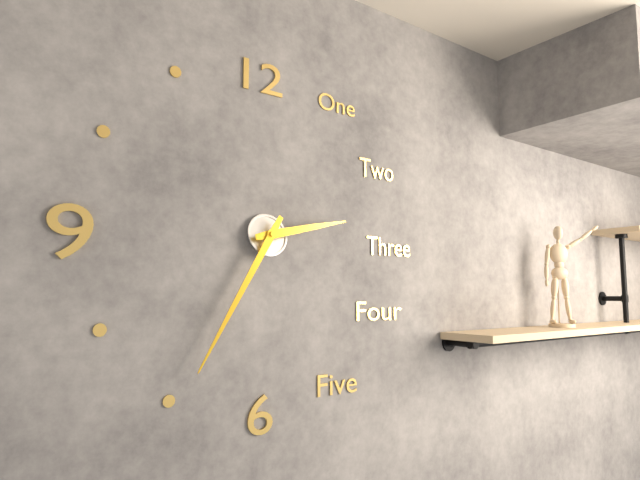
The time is 2,35
